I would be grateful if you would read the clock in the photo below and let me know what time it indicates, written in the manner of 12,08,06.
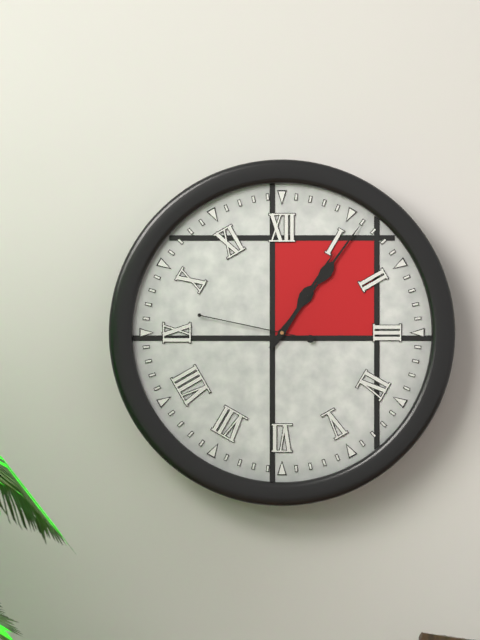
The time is 1,06,47
